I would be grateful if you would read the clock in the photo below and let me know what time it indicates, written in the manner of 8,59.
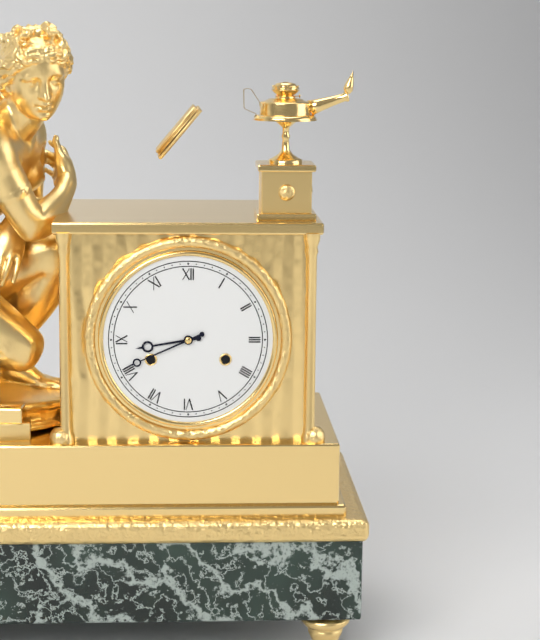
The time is 8,41
